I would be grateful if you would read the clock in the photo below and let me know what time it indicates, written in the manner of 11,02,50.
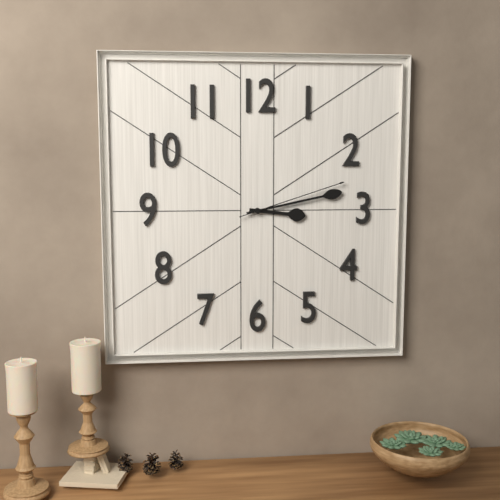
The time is 3,13,12
